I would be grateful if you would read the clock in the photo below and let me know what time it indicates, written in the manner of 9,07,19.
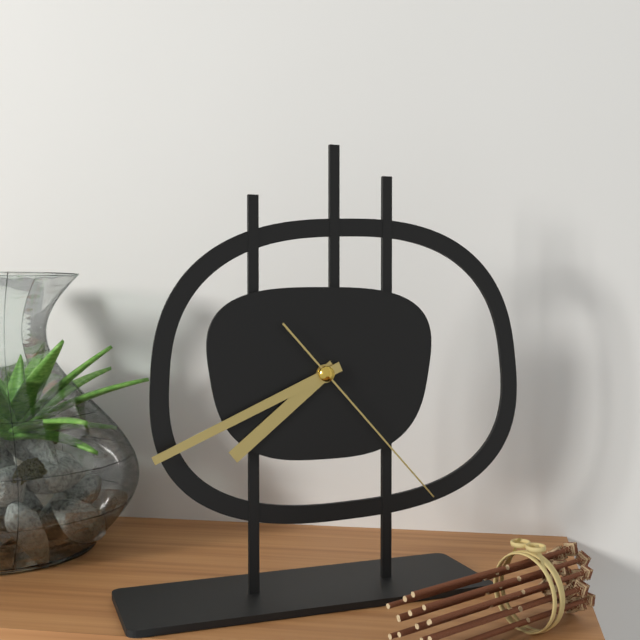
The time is 7,41,23
